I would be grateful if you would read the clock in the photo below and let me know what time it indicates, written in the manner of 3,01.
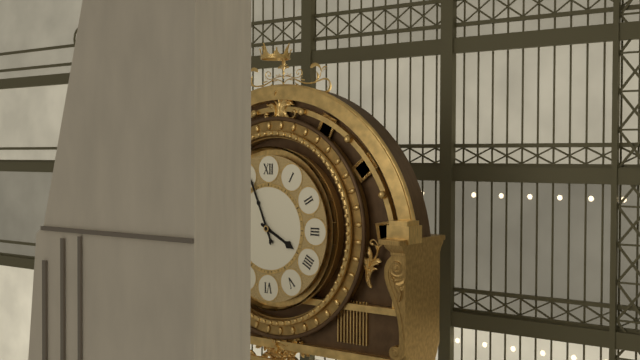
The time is 3,56
